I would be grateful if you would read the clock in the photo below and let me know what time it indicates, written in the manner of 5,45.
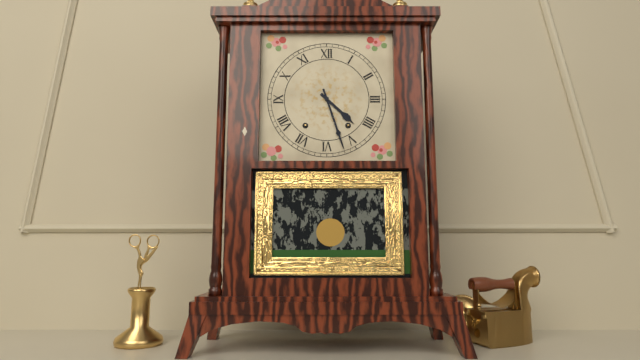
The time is 4,27
